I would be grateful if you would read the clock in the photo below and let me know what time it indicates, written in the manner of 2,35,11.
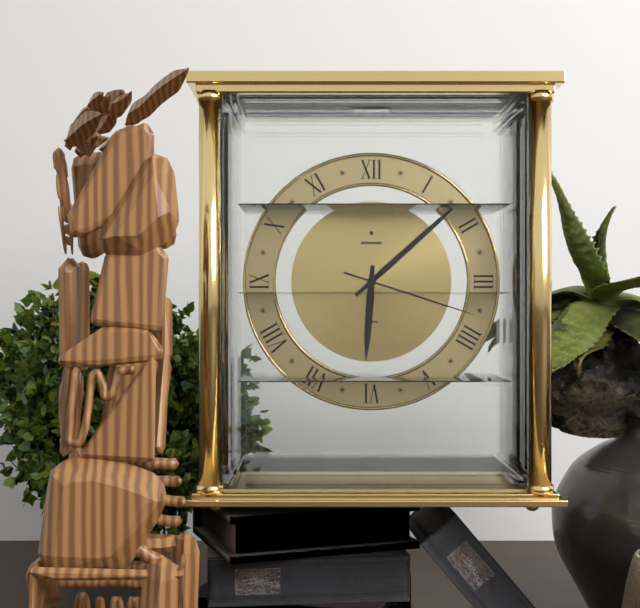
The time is 6,08,18
